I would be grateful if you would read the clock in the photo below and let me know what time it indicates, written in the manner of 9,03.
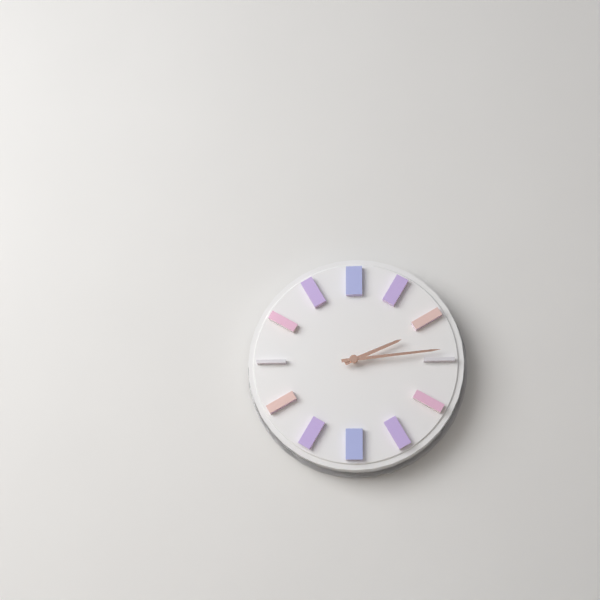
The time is 2,14
